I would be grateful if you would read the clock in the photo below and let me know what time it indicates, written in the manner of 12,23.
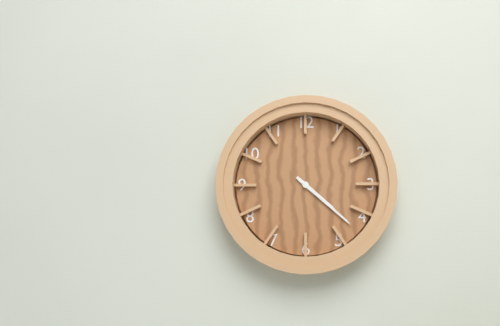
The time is 4,22
